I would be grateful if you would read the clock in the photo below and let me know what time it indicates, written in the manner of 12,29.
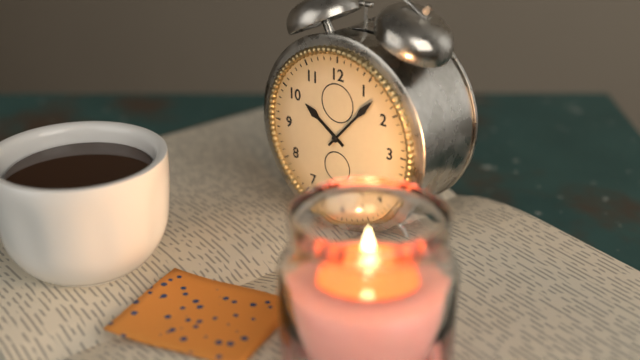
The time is 10,07
